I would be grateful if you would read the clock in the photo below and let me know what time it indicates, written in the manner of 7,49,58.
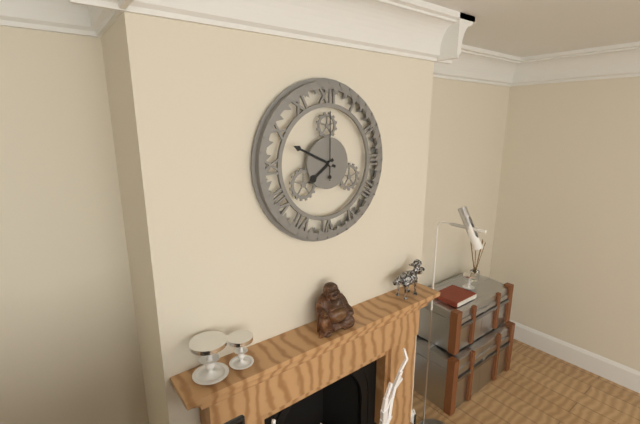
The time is 7,49,00
